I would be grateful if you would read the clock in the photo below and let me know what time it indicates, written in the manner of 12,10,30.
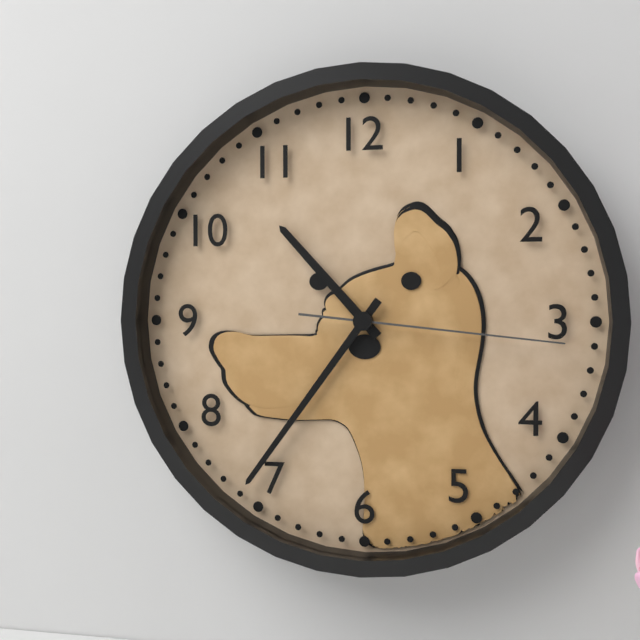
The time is 10,36,16
